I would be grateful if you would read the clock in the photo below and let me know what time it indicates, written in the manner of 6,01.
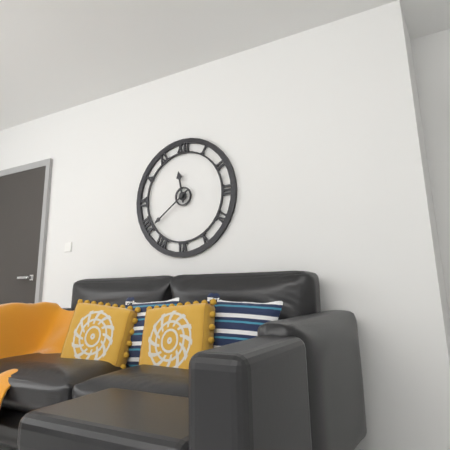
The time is 11,39
